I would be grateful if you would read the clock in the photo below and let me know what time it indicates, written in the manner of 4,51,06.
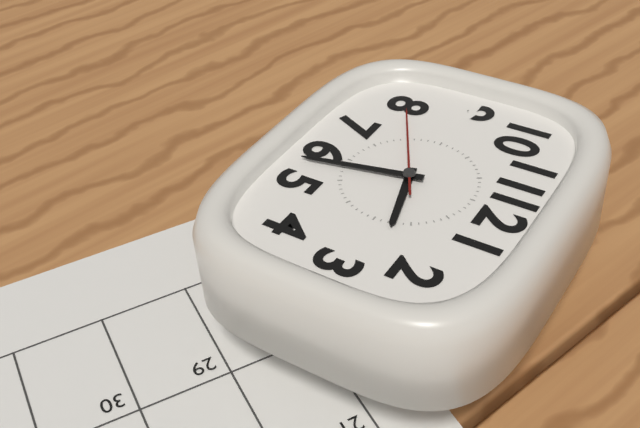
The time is 2,28,40
